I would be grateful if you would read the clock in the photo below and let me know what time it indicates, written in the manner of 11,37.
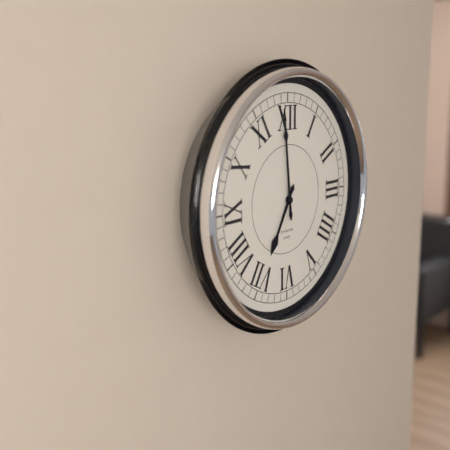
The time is 6,59
